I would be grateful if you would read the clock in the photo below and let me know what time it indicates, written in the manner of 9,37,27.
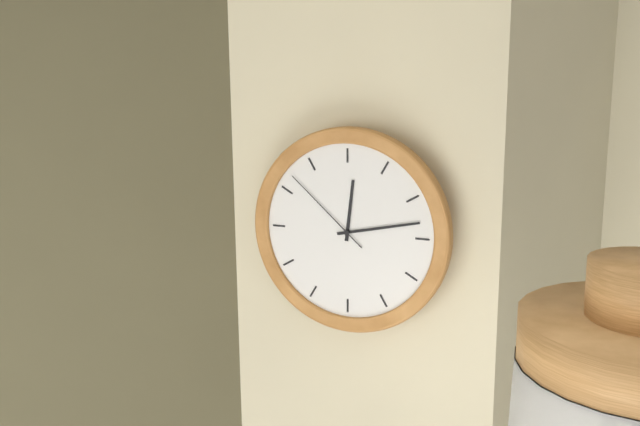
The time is 12,13,52
